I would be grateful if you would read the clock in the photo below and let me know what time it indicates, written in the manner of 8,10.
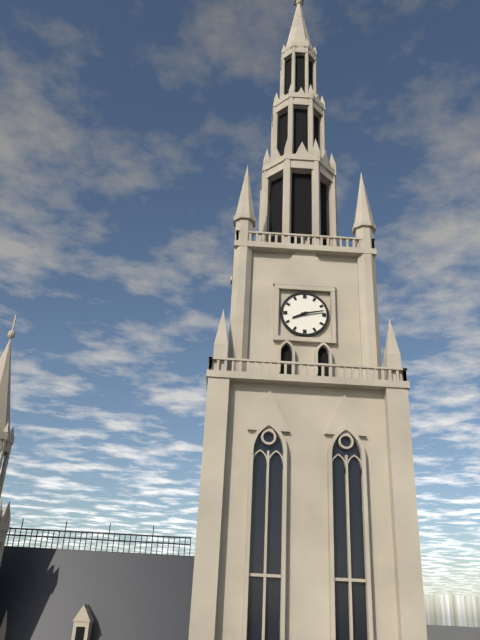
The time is 8,13
